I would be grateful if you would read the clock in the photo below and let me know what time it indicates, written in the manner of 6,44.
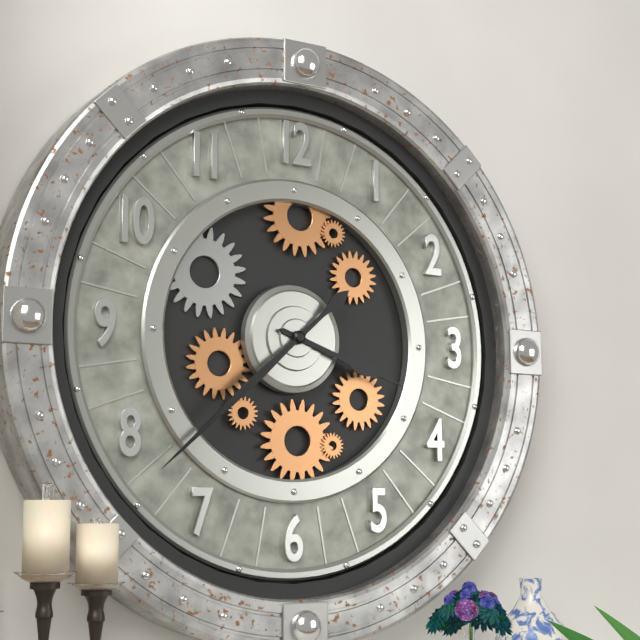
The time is 3,38
